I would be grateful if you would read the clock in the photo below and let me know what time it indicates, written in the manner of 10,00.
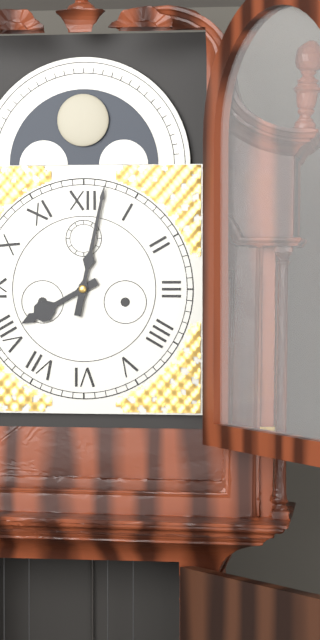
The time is 8,02
